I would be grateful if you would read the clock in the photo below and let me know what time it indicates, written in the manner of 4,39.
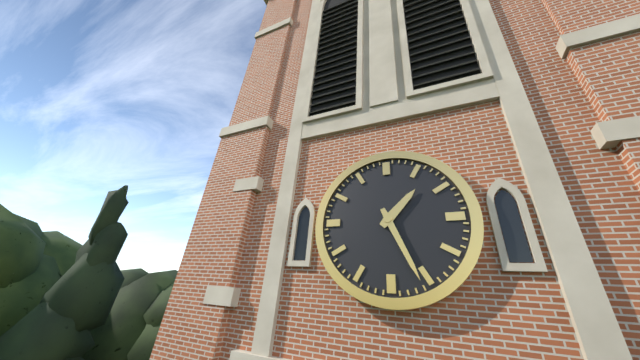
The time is 1,26
